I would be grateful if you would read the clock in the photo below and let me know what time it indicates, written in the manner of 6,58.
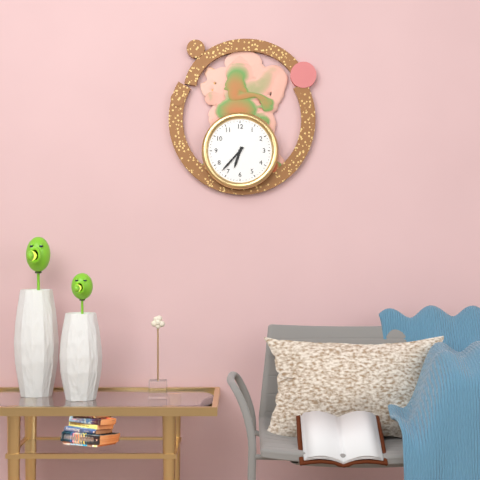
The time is 6,37
